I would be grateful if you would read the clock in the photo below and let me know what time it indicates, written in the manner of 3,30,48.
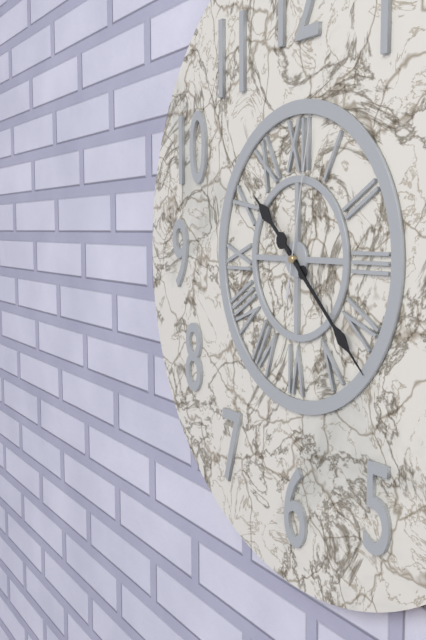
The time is 10,22,02
